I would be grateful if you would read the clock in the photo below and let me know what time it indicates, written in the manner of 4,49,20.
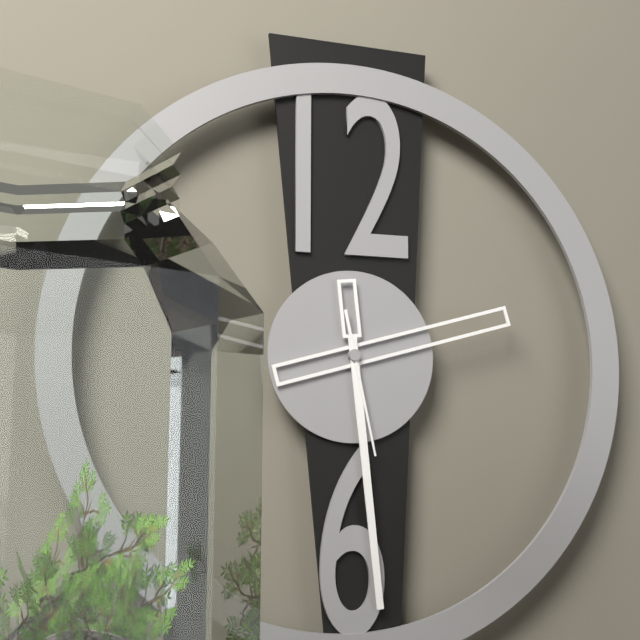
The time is 2,29,28
